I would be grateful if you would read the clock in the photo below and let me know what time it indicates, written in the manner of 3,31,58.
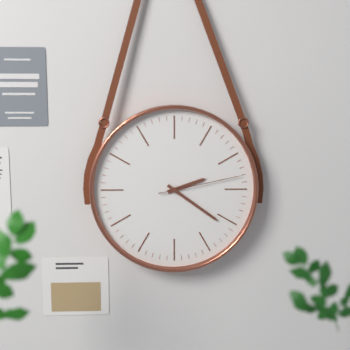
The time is 2,21,13
